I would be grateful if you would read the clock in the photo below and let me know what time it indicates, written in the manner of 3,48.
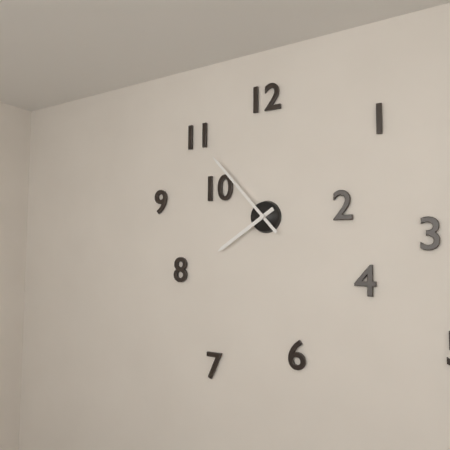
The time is 7,53
